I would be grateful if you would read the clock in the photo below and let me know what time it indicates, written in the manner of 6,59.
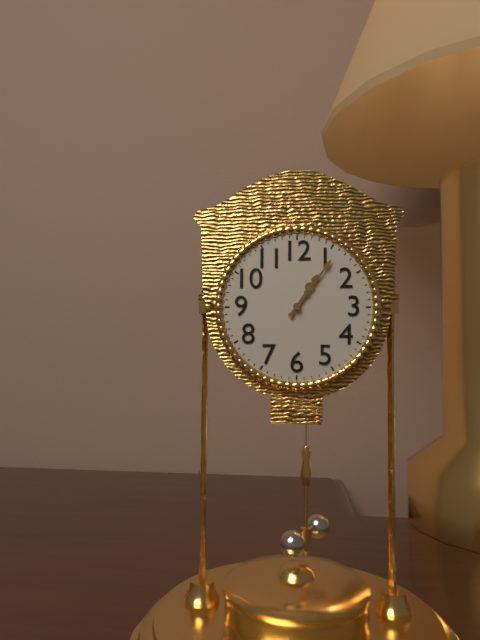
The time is 1,06
